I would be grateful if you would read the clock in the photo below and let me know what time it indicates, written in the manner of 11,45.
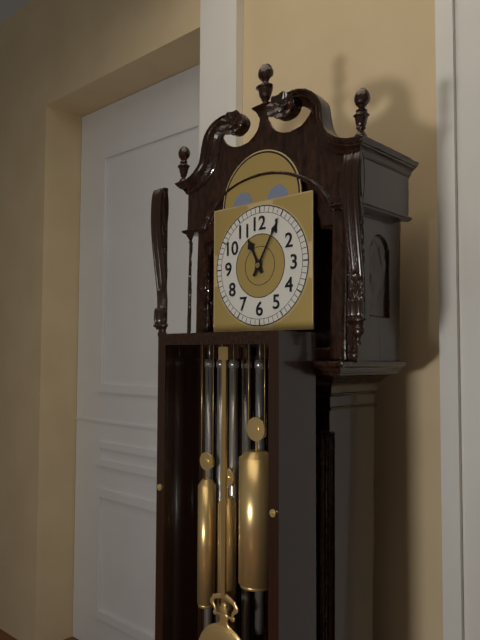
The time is 11,05
